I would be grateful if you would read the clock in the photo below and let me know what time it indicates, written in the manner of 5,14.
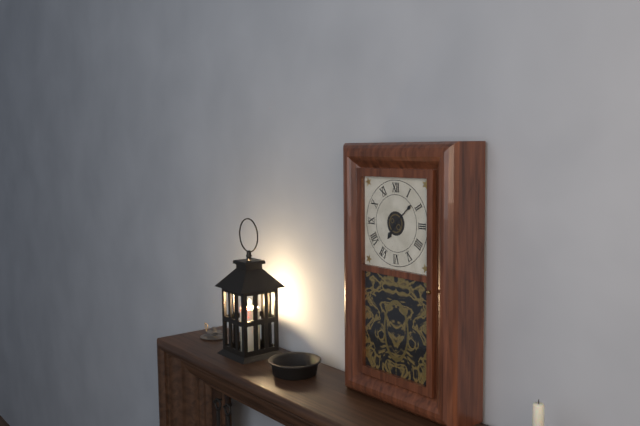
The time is 7,08
